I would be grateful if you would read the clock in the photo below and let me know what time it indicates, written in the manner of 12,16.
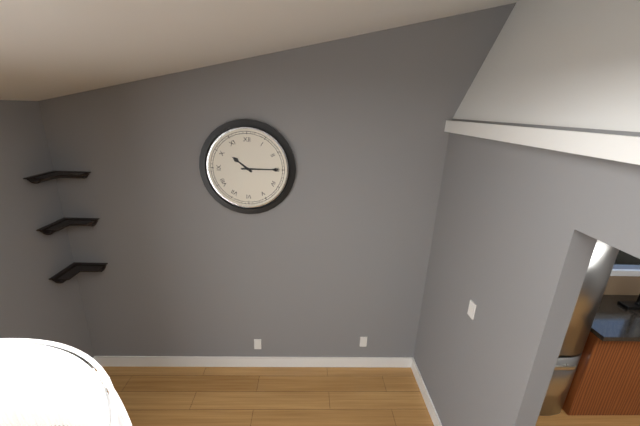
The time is 10,15
